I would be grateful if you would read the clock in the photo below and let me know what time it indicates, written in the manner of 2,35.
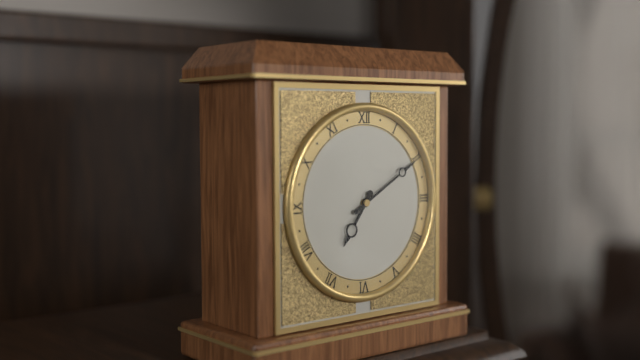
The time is 7,10
